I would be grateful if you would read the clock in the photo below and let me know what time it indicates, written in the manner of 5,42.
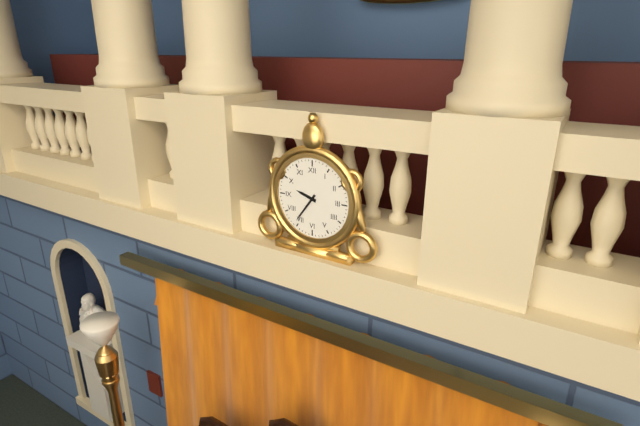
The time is 9,36
